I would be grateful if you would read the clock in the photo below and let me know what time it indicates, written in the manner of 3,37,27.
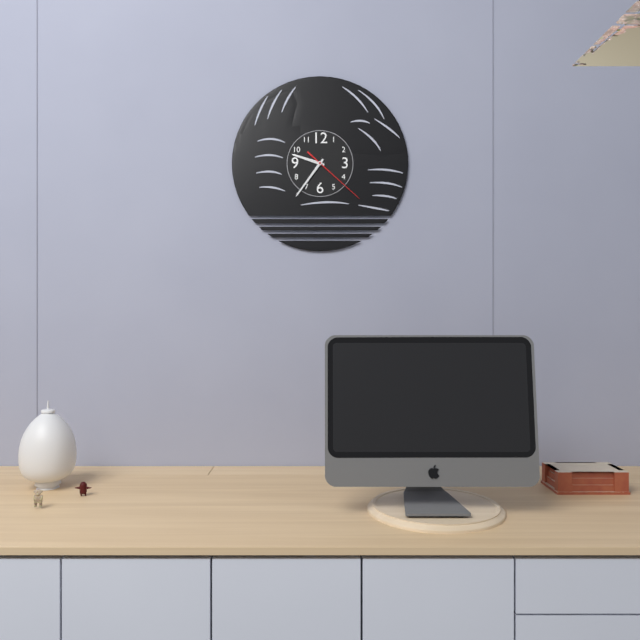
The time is 9,36,22
